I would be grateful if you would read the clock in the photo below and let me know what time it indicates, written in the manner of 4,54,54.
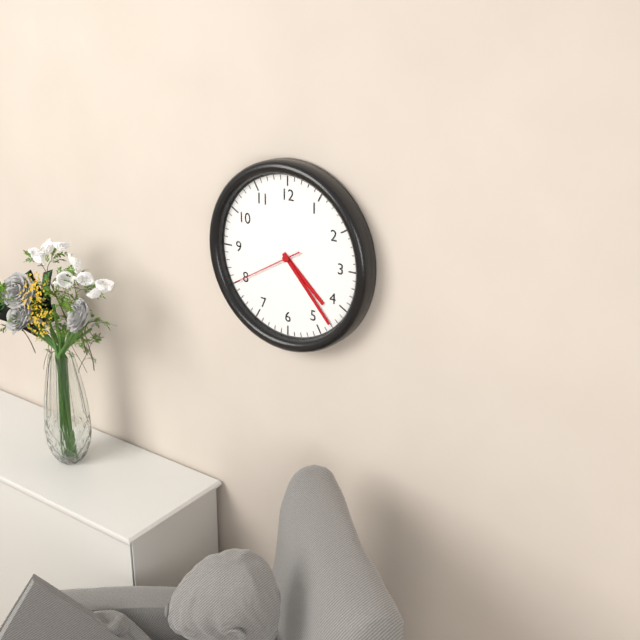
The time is 4,23,40
